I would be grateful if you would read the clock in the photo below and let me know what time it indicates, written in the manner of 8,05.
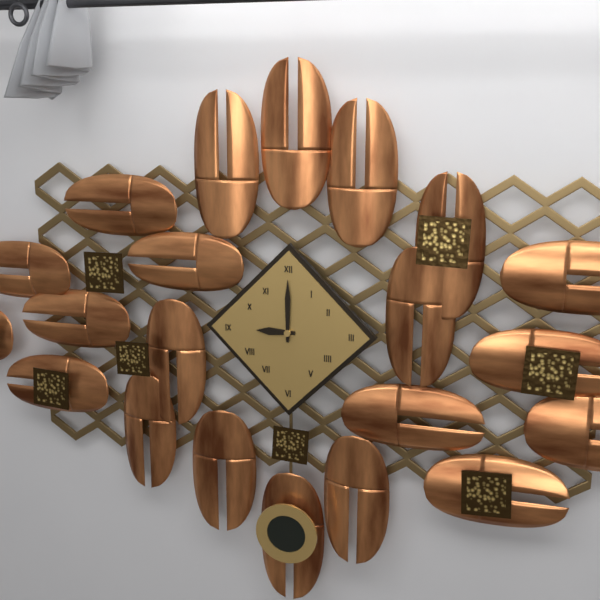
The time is 9,00
